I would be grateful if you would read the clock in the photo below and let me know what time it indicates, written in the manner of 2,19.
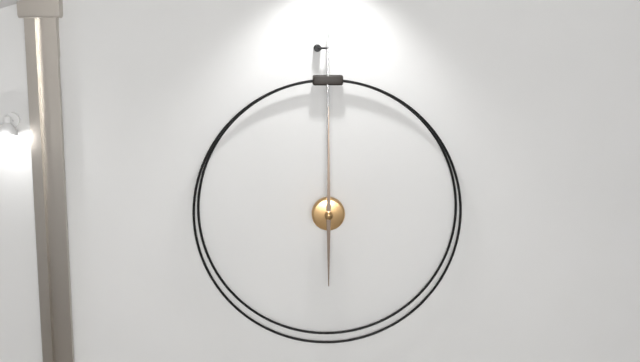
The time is 6,00
